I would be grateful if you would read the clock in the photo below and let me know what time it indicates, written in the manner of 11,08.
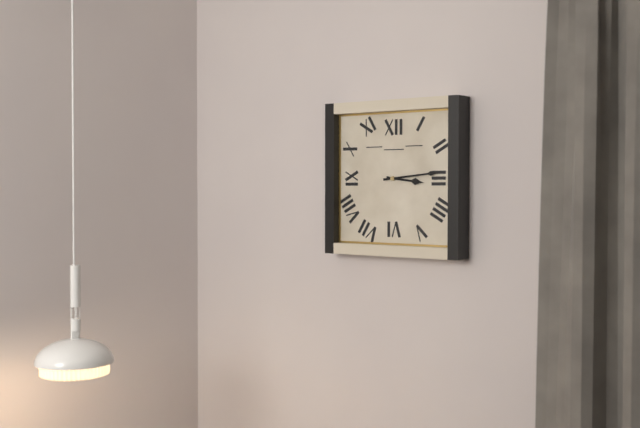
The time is 3,14
